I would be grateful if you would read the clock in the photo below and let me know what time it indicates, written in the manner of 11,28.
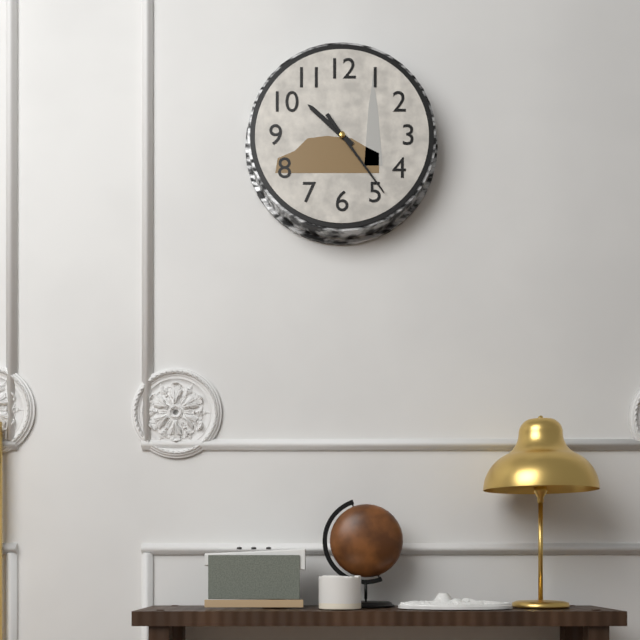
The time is 10,24
